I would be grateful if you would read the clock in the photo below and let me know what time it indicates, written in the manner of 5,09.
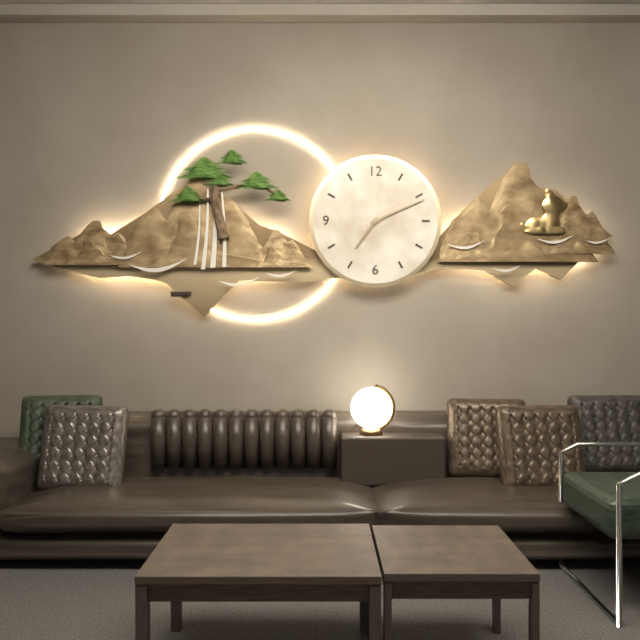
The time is 7,11
